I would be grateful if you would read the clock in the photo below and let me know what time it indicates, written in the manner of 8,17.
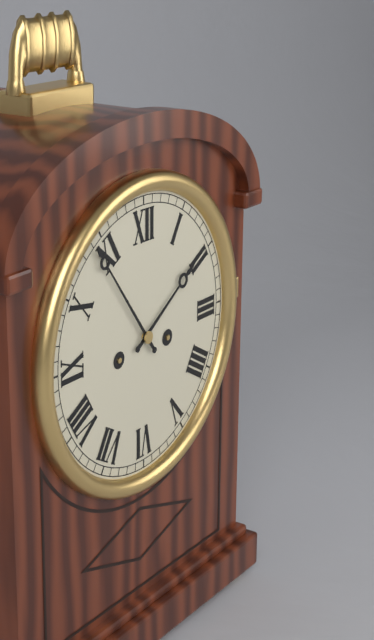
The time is 1,54
